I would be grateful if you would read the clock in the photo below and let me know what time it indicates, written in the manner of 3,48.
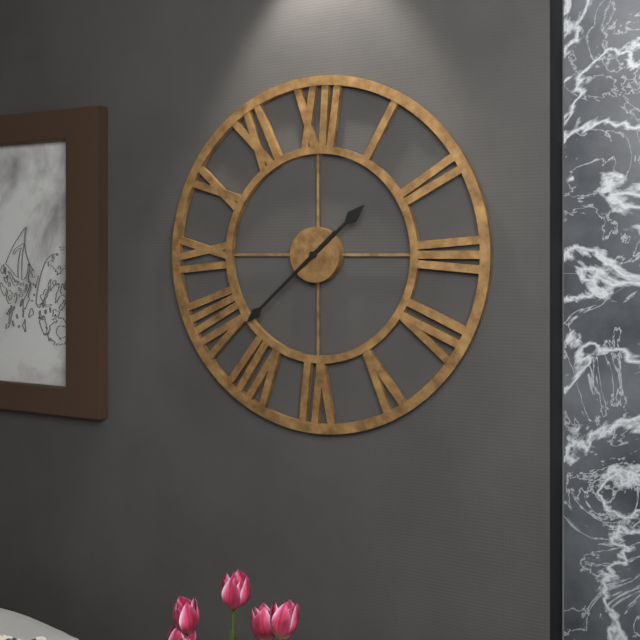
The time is 1,38
